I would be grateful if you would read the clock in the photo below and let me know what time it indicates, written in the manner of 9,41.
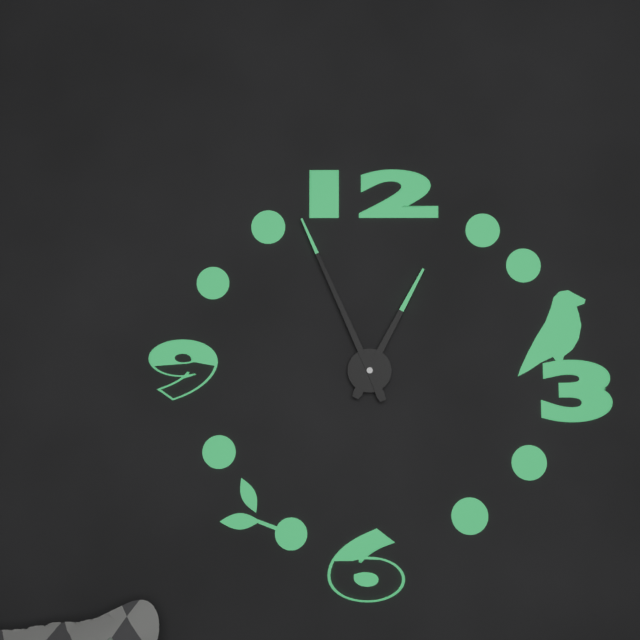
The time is 12,56
